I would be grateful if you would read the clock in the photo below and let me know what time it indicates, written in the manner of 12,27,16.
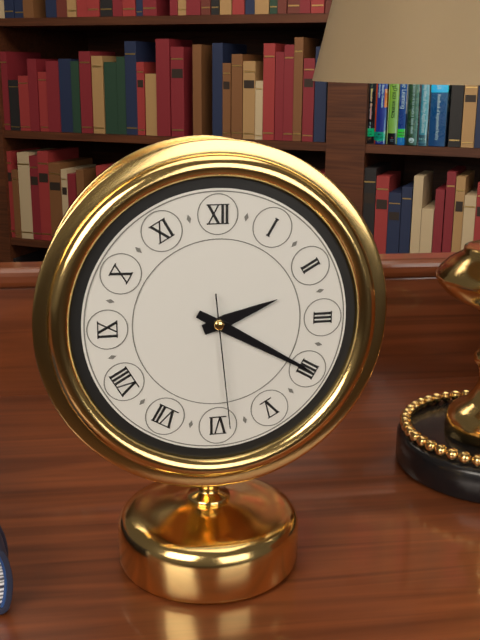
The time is 2,20,29
